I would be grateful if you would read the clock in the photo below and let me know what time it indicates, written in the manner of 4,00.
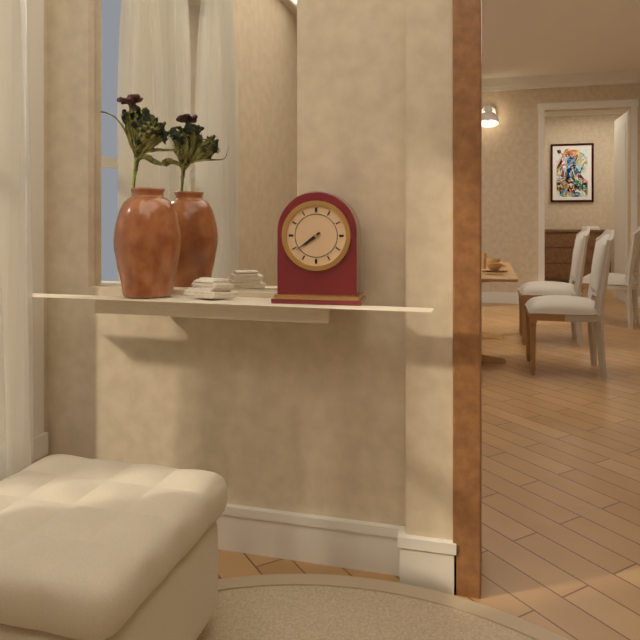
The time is 7,39
